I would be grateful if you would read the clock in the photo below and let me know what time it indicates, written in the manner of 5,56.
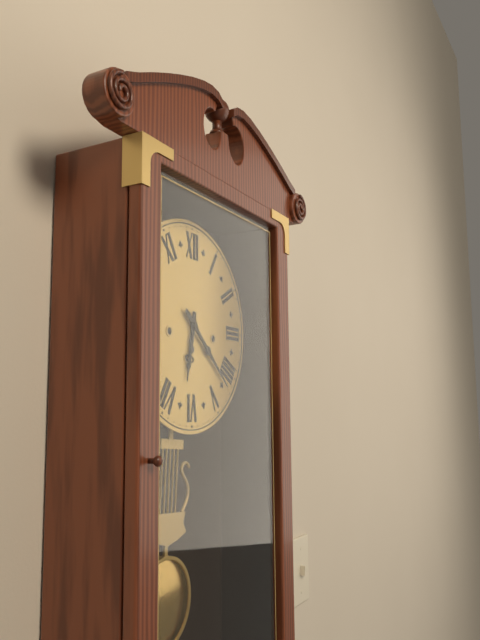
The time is 6,22
